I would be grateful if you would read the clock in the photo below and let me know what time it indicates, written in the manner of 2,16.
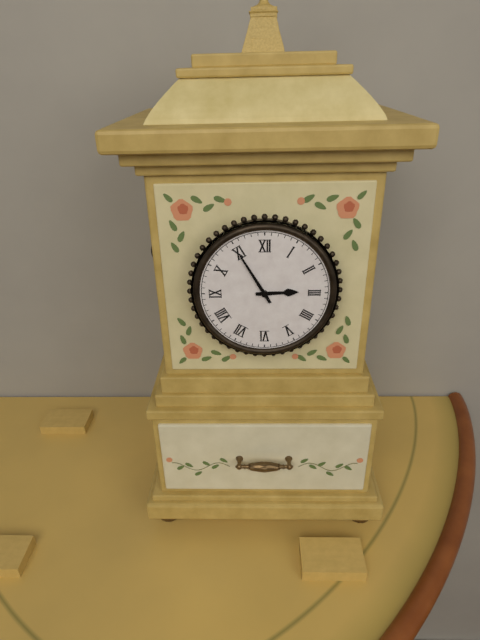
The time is 2,55
